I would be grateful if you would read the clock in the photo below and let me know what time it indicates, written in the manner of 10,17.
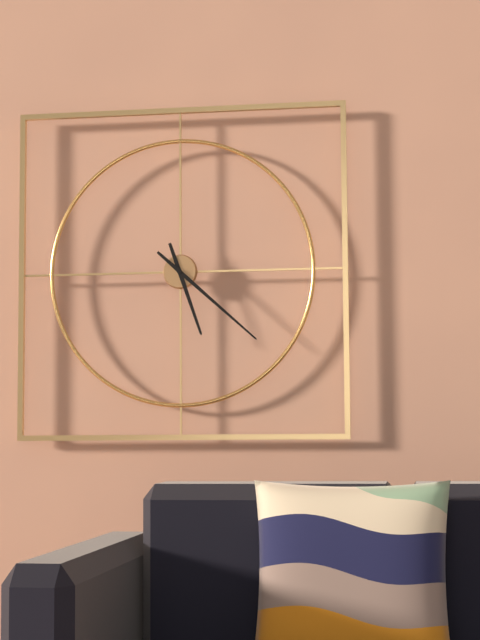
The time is 5,22
